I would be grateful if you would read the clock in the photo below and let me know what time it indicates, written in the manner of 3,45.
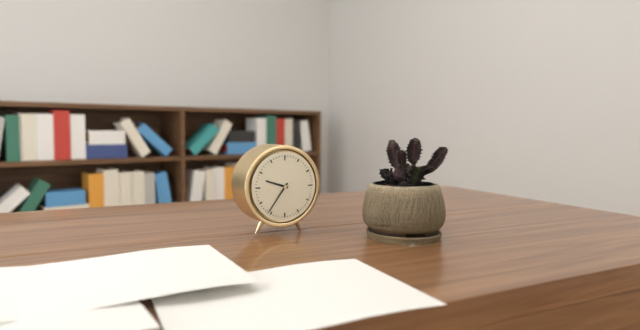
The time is 9,36
